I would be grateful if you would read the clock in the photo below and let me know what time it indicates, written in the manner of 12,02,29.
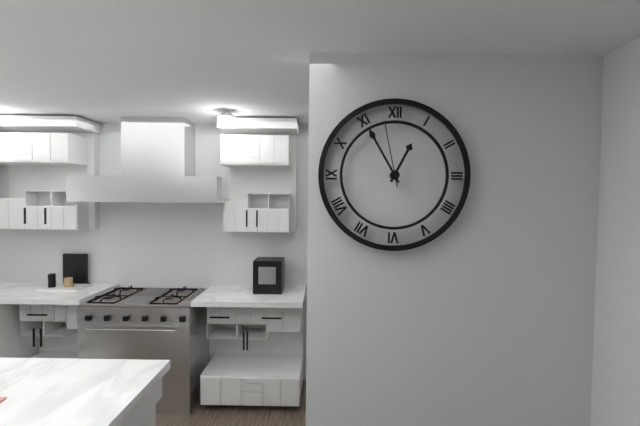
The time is 12,55,58
